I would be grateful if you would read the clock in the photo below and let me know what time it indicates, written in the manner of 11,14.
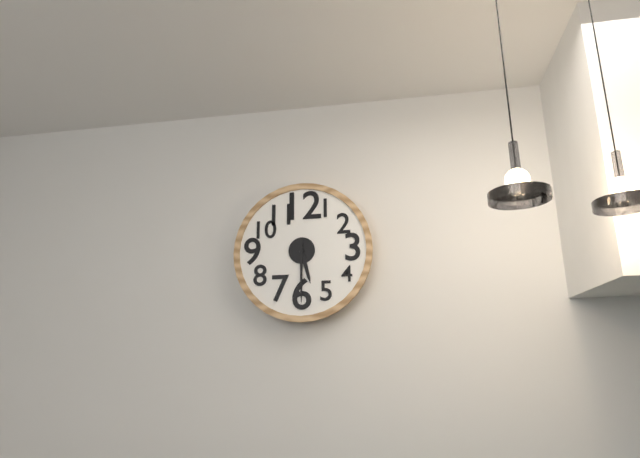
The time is 5,30
